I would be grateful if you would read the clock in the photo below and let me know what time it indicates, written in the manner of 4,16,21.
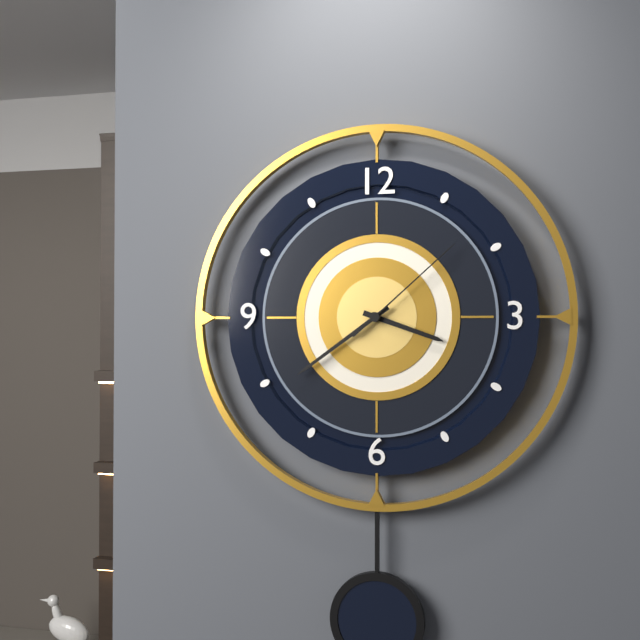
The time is 3,39,08
